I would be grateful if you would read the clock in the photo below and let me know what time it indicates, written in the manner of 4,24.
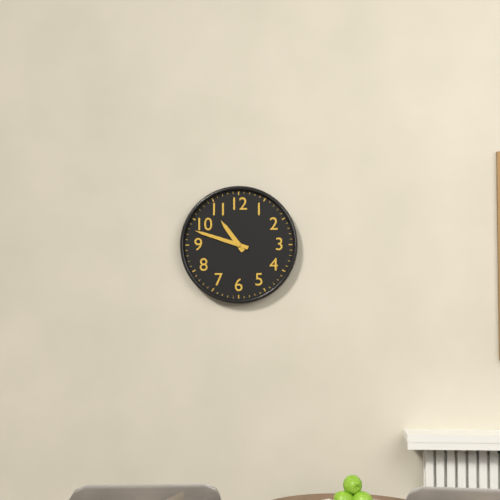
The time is 10,48
